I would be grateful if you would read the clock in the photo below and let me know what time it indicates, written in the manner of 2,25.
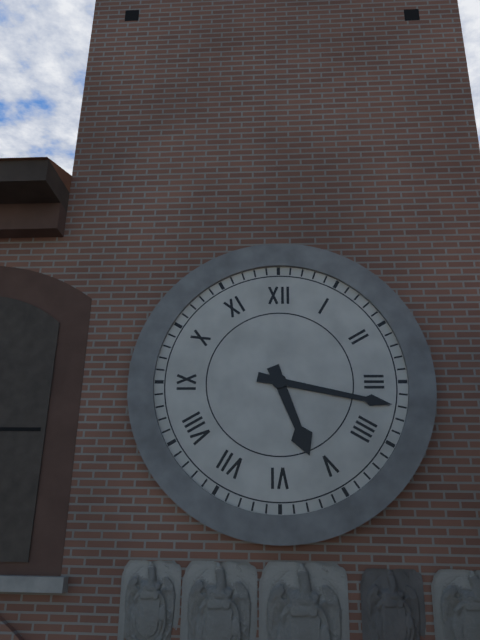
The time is 5,17
